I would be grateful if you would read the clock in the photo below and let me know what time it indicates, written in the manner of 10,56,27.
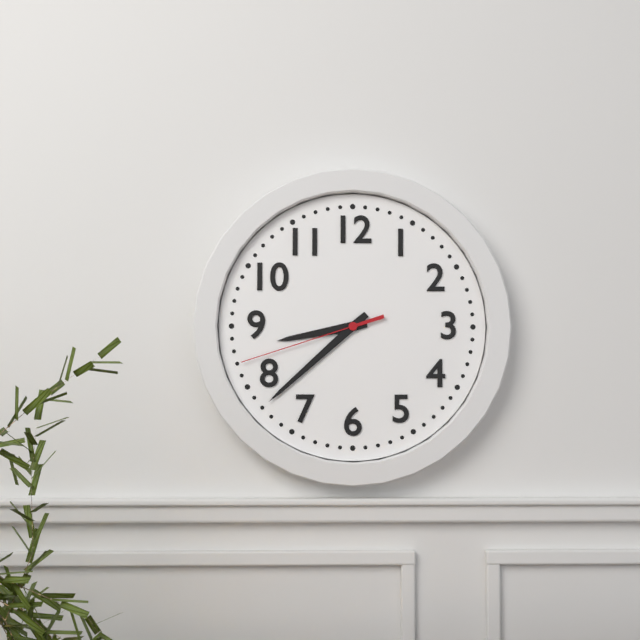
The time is 8,38,42
